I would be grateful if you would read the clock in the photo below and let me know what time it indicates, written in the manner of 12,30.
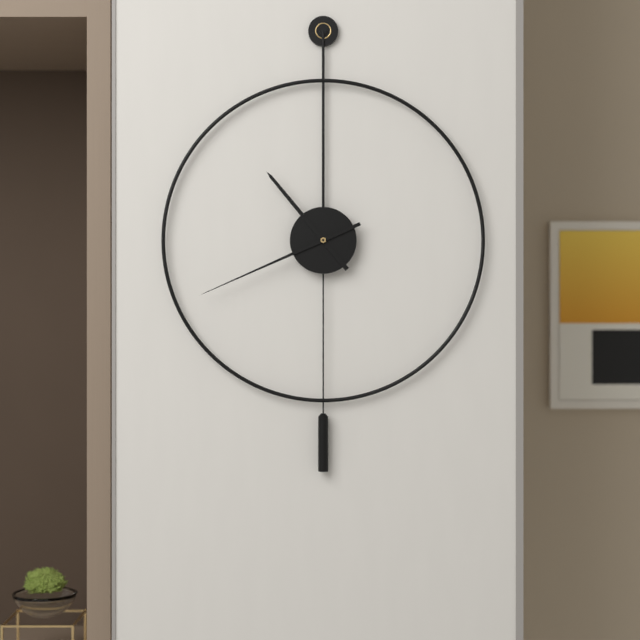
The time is 10,41
